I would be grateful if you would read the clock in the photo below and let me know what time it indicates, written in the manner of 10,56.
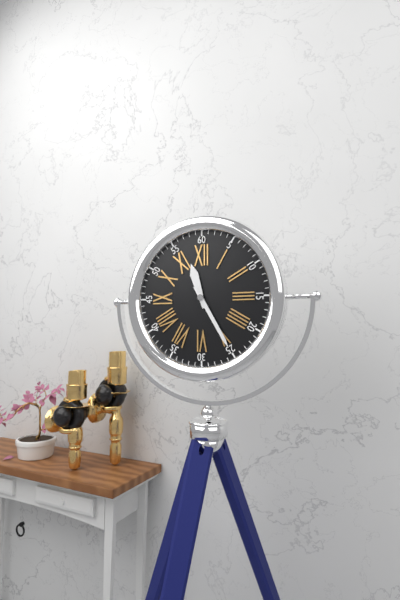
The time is 11,25
